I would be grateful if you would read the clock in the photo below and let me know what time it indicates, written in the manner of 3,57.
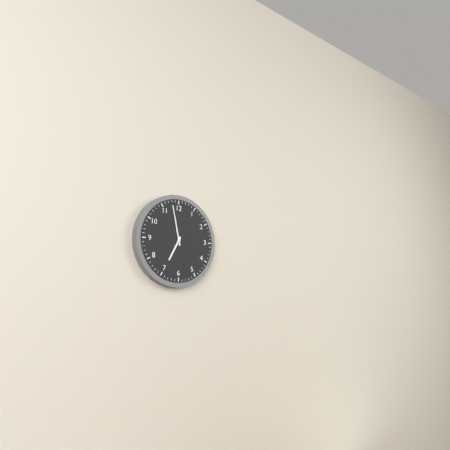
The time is 6,58
